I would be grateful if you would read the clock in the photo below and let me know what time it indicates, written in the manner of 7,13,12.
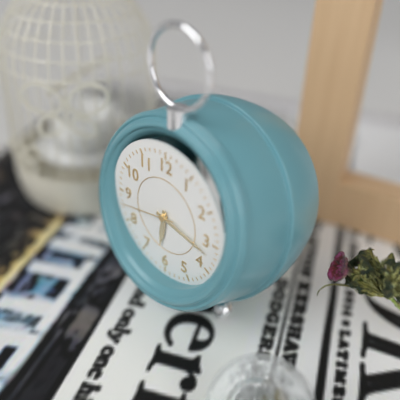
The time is 6,17,43
